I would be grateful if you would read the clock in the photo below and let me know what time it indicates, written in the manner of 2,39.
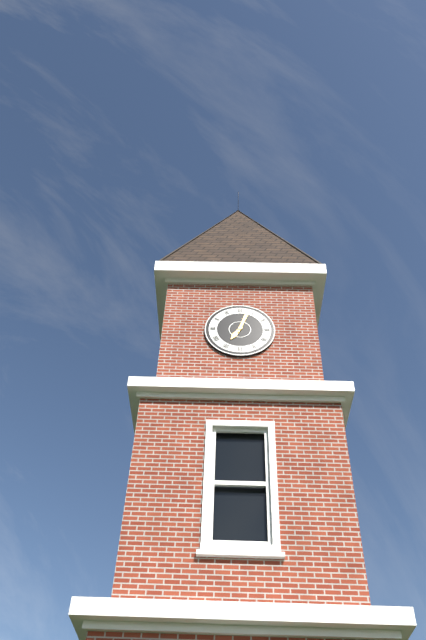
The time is 7,03
